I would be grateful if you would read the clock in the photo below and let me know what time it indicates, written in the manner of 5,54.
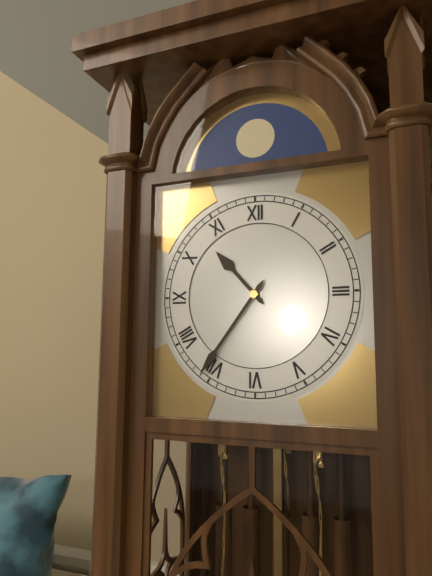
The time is 10,36
